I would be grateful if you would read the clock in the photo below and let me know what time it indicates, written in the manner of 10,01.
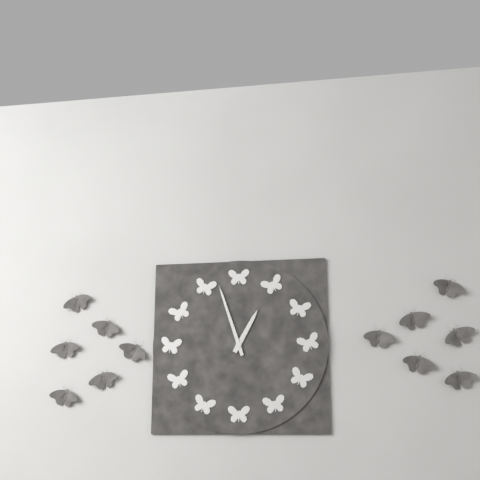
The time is 12,57
